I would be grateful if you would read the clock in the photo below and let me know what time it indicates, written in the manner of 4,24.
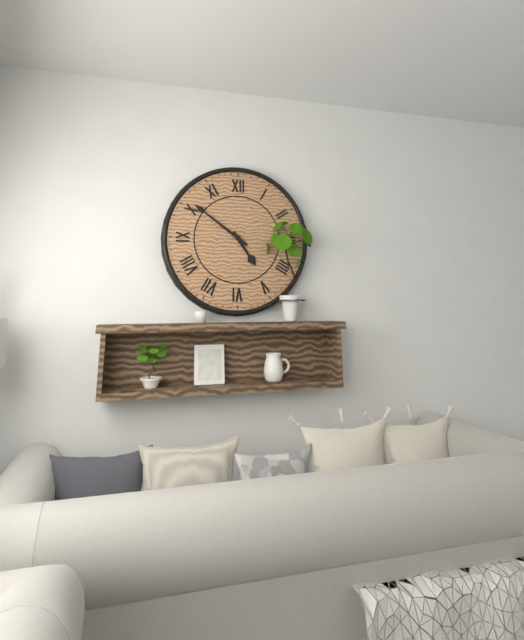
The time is 4,51
